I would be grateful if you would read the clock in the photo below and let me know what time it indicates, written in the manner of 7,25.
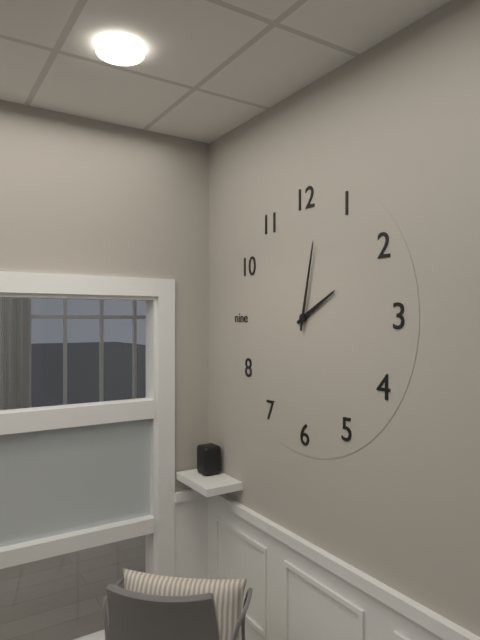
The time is 2,02
